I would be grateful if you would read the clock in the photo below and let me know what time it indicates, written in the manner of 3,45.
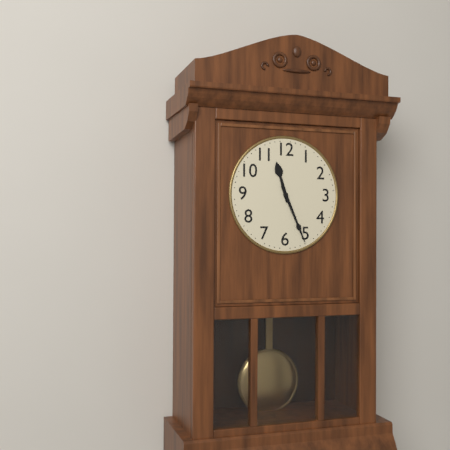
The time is 11,26
